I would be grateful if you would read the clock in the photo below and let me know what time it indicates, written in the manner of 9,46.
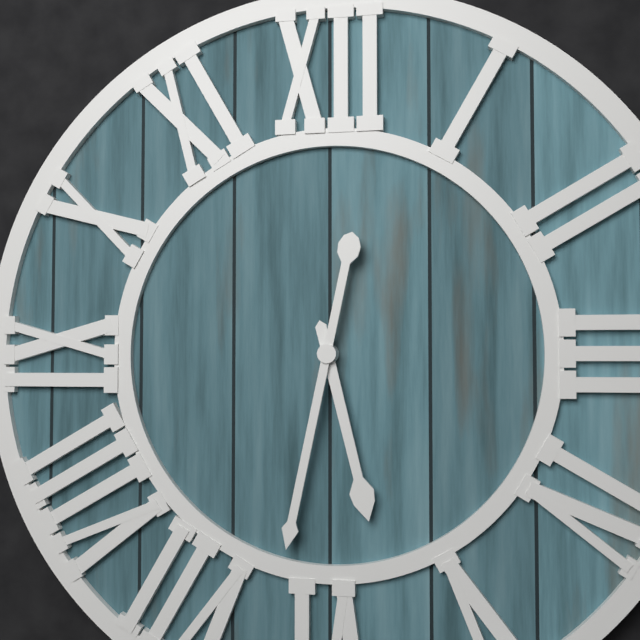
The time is 5,32
